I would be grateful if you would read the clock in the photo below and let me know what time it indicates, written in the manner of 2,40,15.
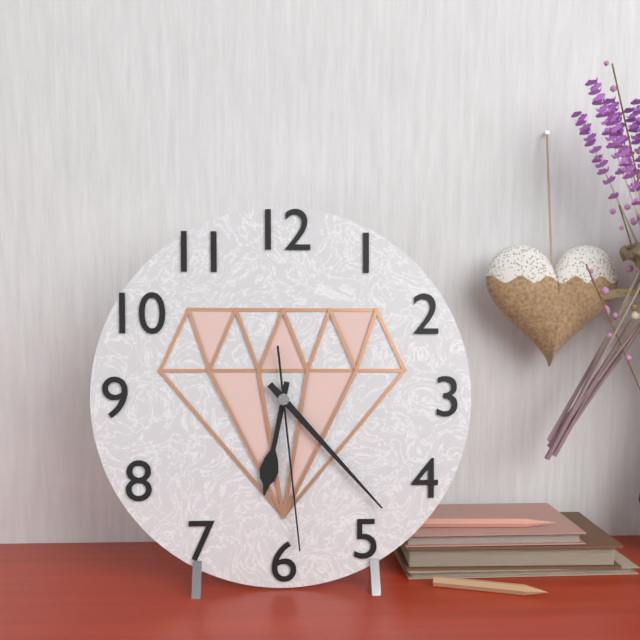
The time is 6,23,29
